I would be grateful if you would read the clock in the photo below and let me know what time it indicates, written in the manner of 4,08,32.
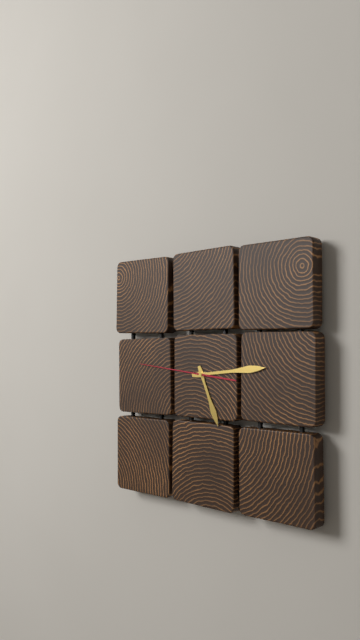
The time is 5,14,46
